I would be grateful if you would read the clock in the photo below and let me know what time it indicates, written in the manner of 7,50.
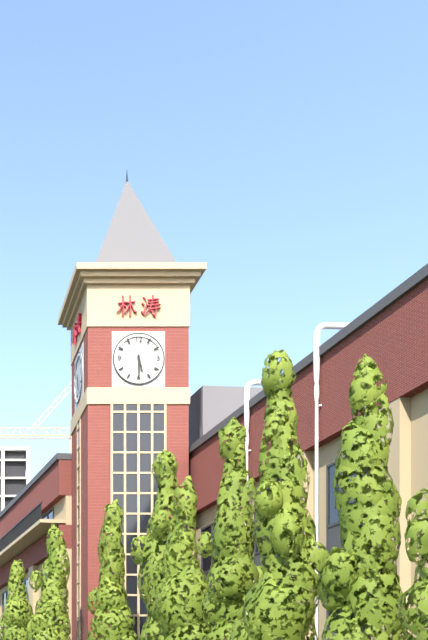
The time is 5,30
